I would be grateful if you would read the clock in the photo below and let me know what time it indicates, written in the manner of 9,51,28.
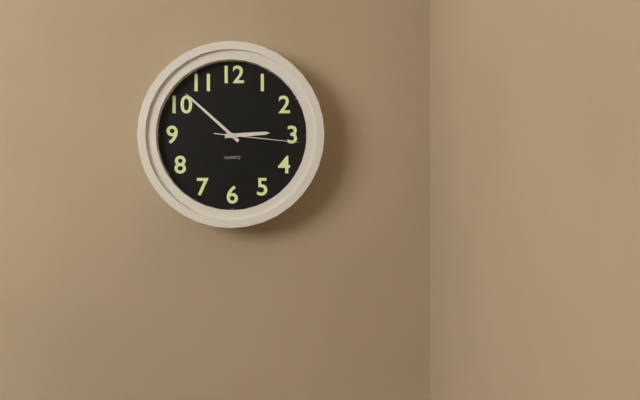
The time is 2,52,16
